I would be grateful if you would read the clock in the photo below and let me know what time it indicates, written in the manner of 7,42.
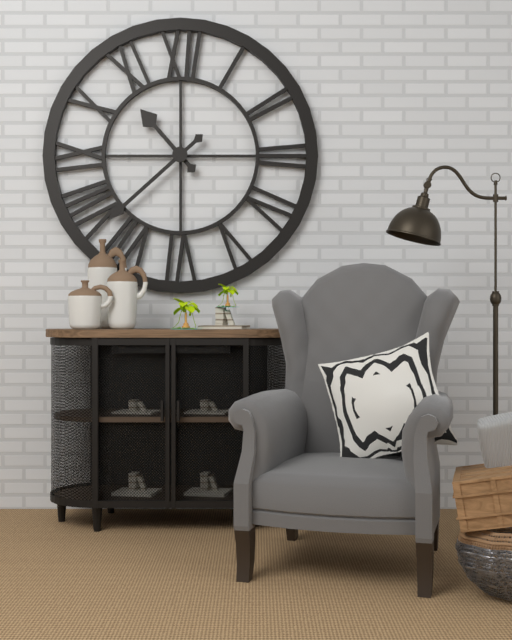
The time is 10,38
